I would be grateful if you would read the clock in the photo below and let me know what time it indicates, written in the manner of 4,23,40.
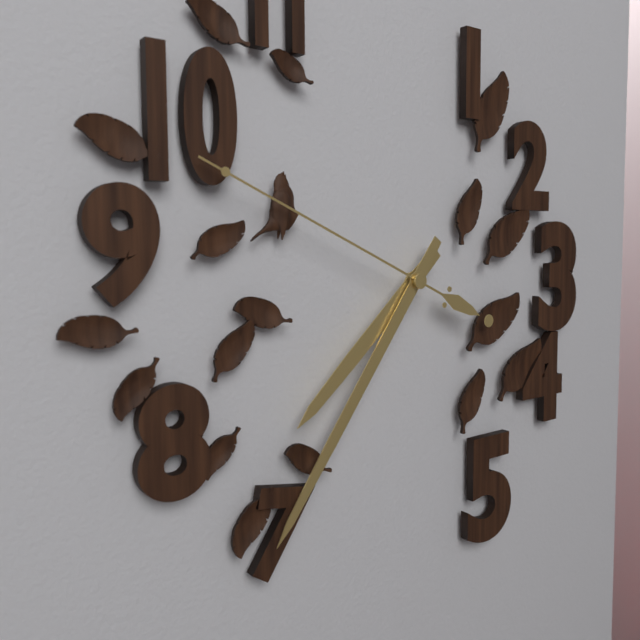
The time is 7,36,49
